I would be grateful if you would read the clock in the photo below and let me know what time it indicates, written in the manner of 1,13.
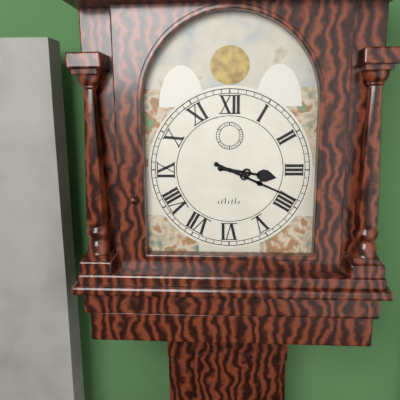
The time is 3,19
